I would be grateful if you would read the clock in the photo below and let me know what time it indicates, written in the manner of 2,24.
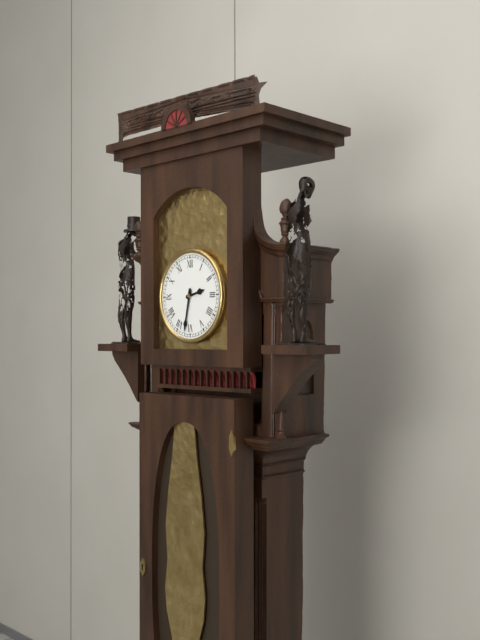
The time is 2,32
